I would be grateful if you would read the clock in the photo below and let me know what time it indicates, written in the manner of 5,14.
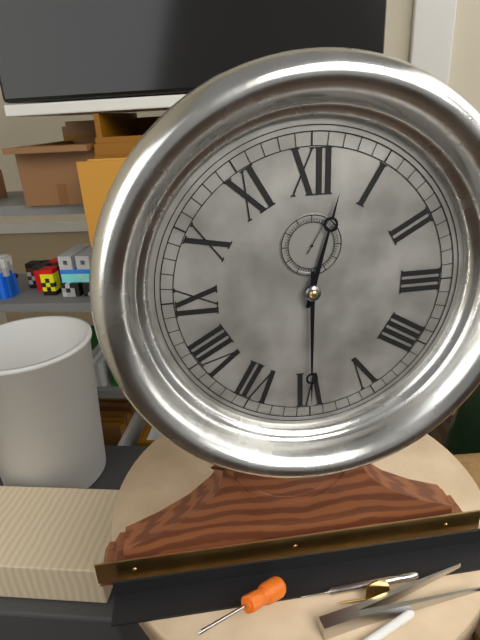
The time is 12,30
